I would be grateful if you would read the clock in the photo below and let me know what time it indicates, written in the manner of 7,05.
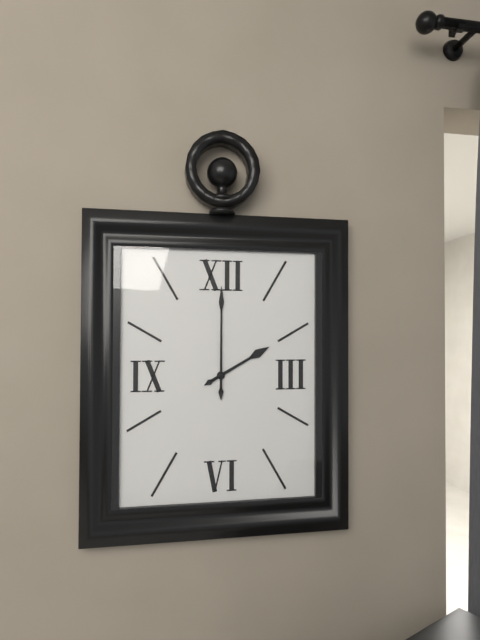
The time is 2,00
